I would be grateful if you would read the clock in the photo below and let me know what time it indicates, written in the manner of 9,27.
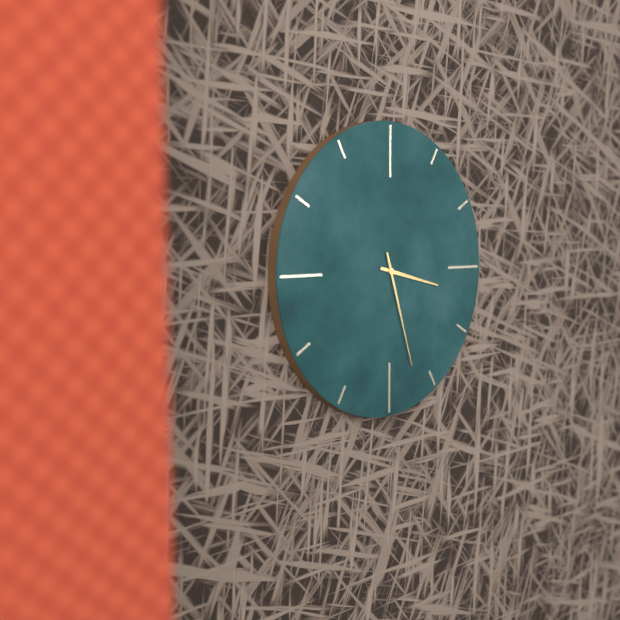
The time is 3,27
